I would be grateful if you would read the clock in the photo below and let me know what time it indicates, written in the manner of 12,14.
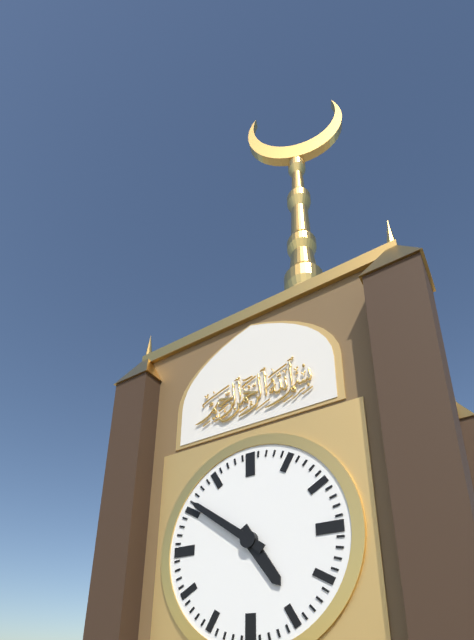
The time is 4,51
